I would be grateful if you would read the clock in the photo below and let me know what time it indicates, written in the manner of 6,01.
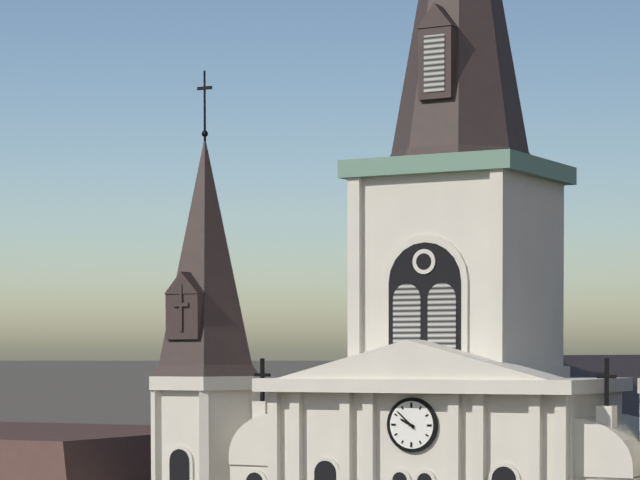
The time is 9,52
